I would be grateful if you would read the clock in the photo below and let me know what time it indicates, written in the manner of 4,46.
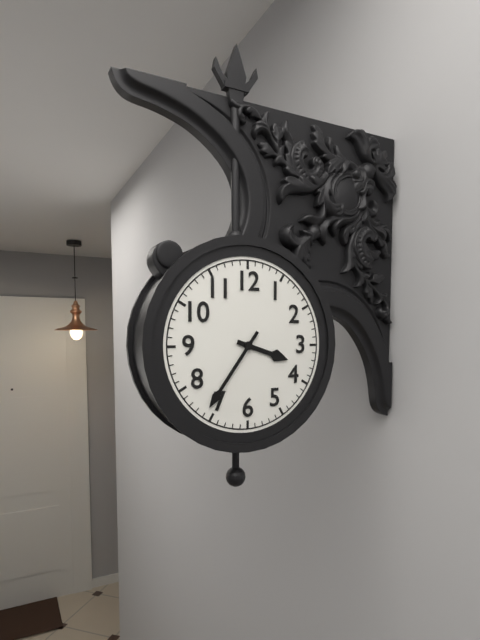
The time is 3,36
